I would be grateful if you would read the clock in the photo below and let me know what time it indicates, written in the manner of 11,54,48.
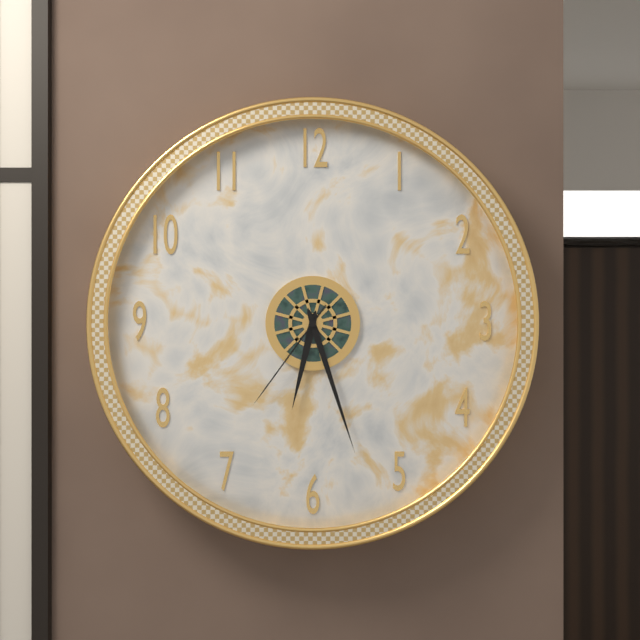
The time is 6,27,36
